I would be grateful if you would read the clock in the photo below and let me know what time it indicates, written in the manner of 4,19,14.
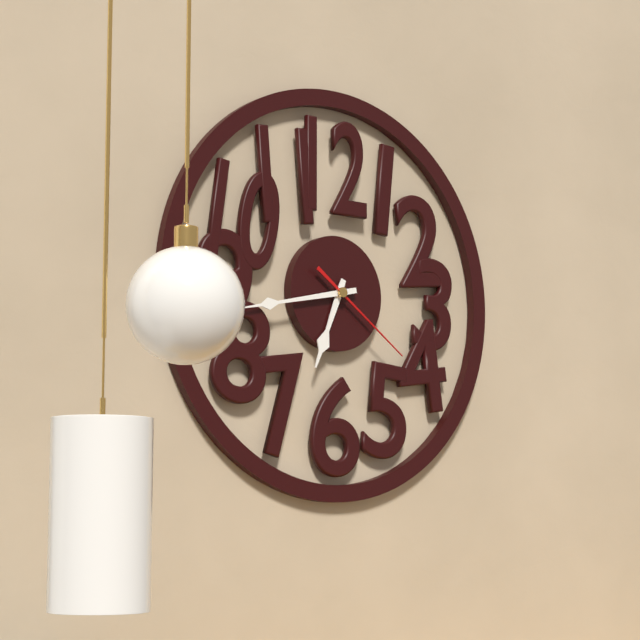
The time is 6,43,21
